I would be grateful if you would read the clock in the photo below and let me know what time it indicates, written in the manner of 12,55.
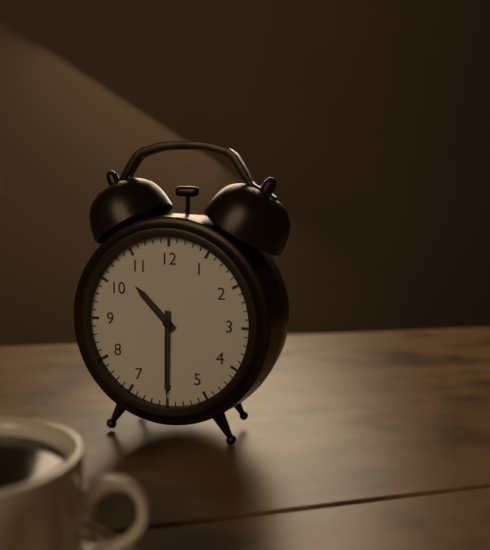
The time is 10,30
